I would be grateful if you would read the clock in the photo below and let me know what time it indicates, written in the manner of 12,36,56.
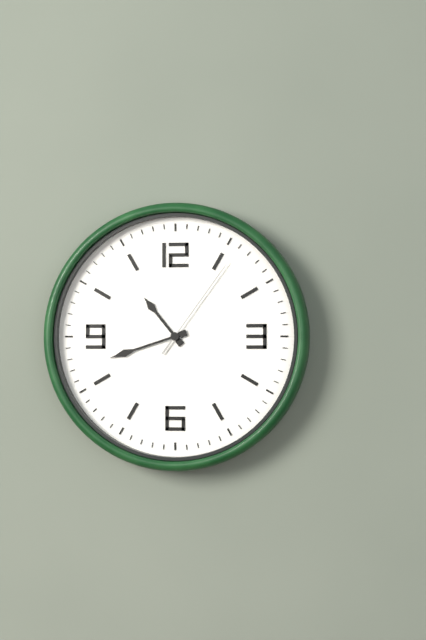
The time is 10,42,06
